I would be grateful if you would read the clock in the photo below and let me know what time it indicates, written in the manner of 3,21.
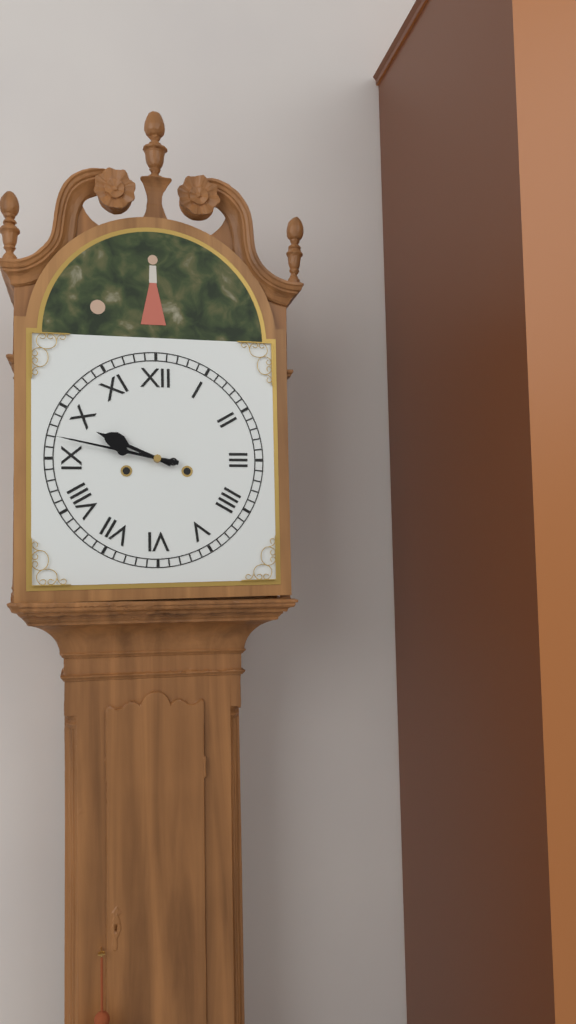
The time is 9,47
